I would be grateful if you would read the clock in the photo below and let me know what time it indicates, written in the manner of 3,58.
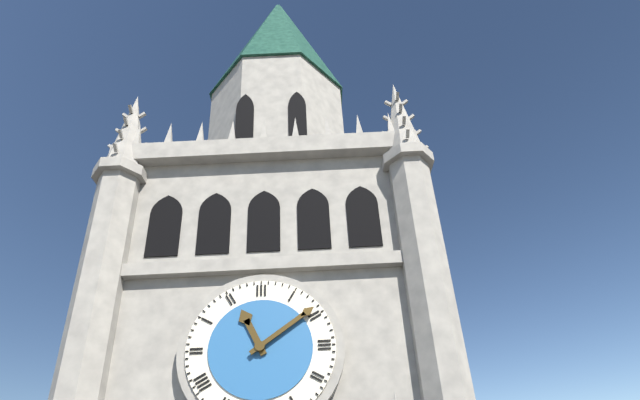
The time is 11,09
